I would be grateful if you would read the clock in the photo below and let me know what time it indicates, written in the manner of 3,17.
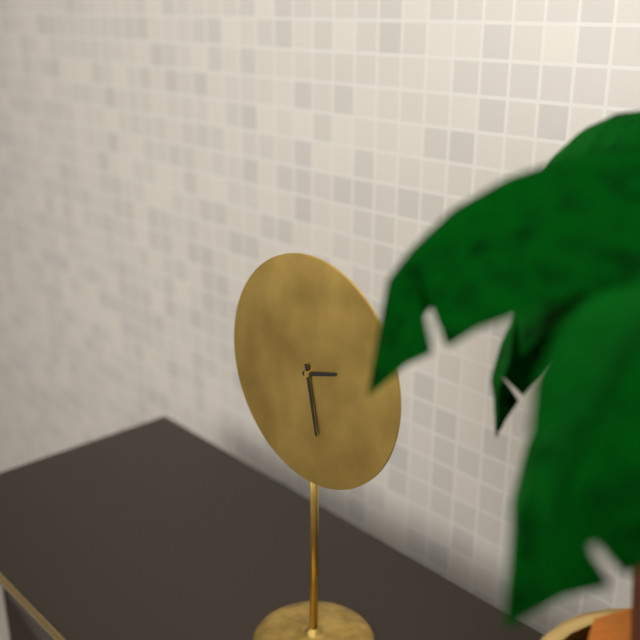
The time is 2,28
